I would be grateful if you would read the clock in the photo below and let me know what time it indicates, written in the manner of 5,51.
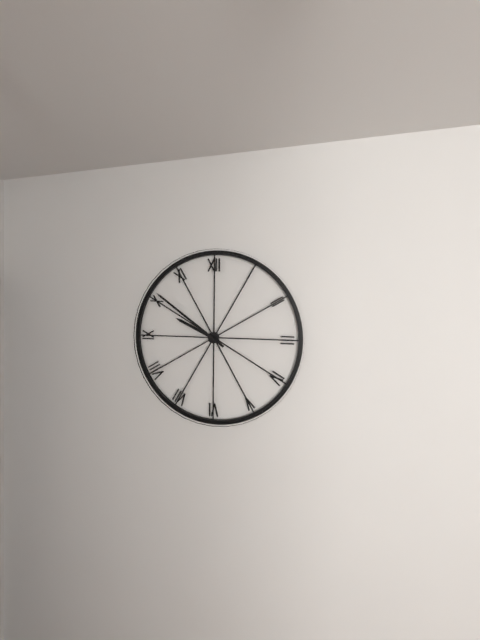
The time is 9,51
